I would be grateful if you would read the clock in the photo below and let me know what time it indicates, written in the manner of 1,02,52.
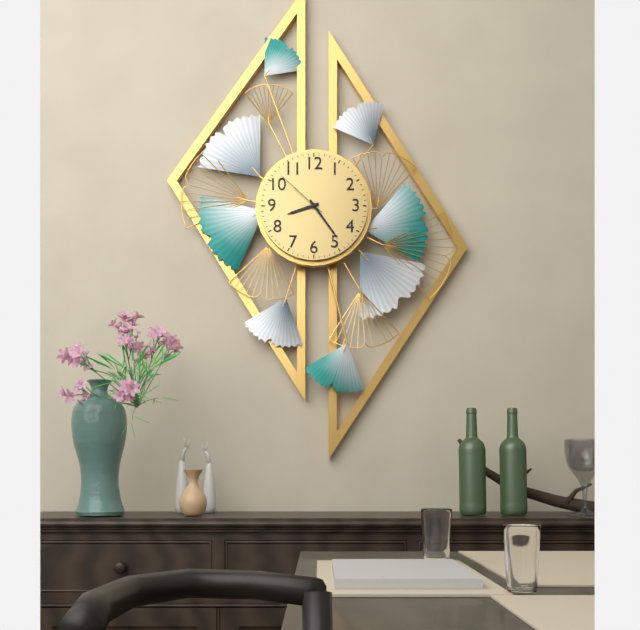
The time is 8,24,52
